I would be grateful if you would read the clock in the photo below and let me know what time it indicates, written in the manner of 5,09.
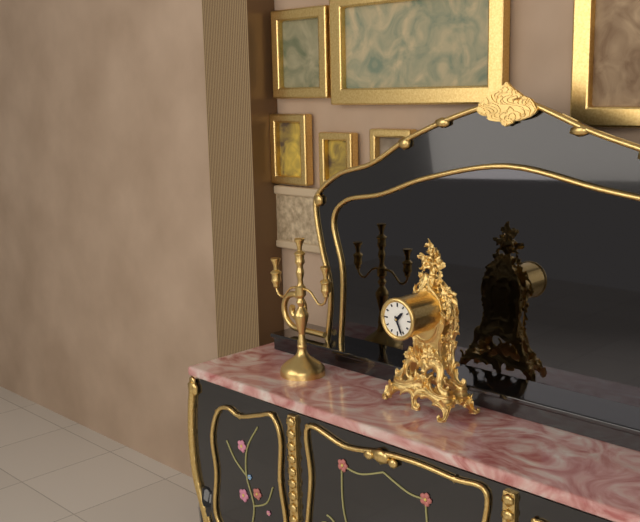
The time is 1,26
